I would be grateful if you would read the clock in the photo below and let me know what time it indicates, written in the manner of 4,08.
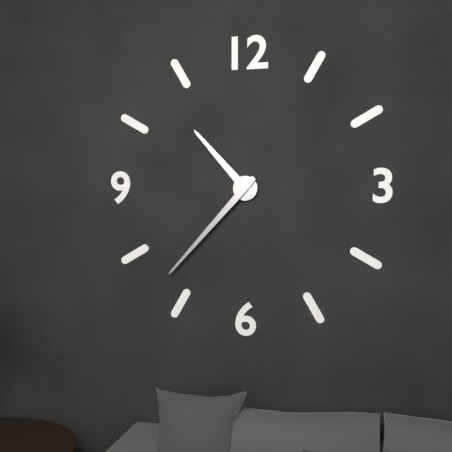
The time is 10,37
